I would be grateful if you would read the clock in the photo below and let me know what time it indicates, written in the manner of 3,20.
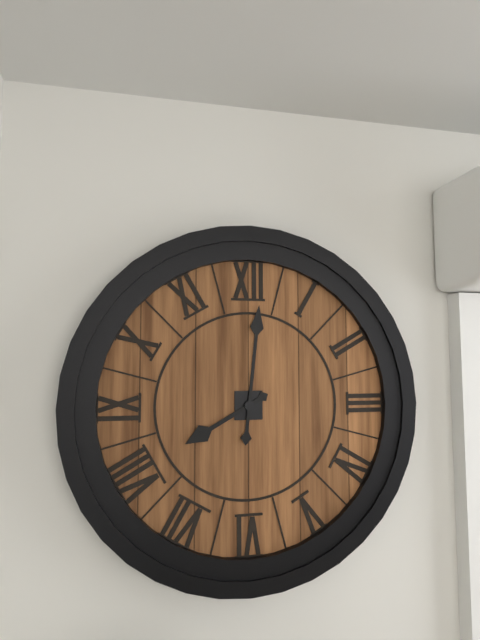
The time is 8,01
